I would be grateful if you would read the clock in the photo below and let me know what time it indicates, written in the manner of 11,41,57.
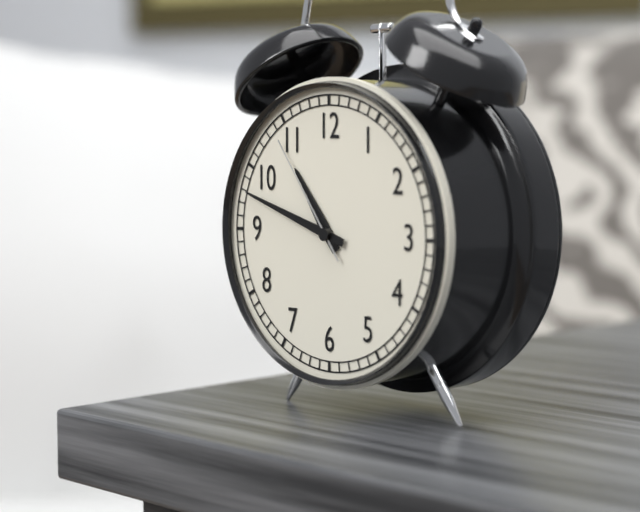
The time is 10,48,54
